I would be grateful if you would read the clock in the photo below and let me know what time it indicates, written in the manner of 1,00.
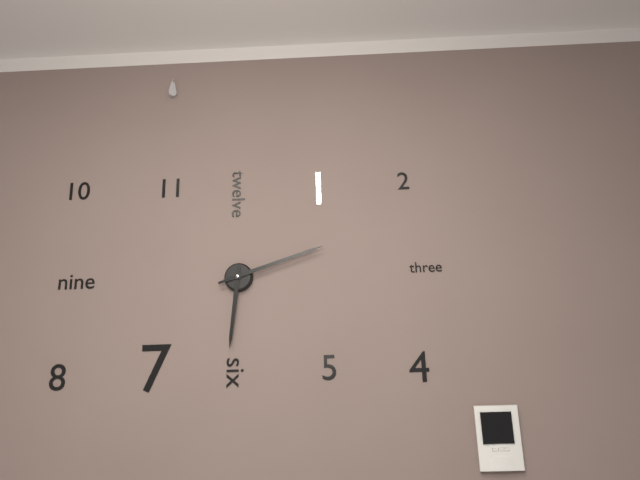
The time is 6,12
